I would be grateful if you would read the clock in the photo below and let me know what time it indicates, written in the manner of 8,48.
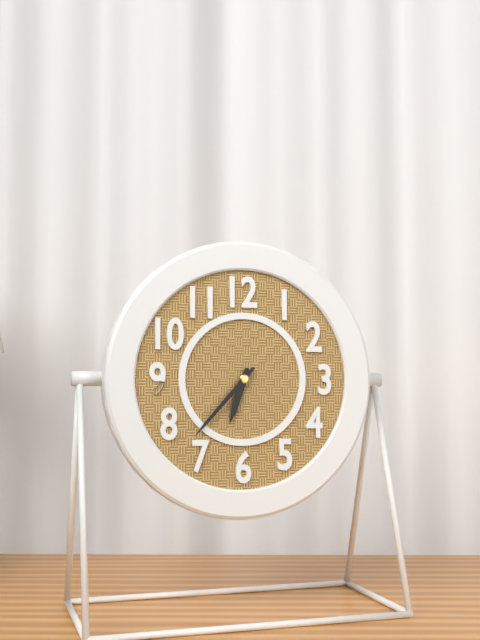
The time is 6,37
